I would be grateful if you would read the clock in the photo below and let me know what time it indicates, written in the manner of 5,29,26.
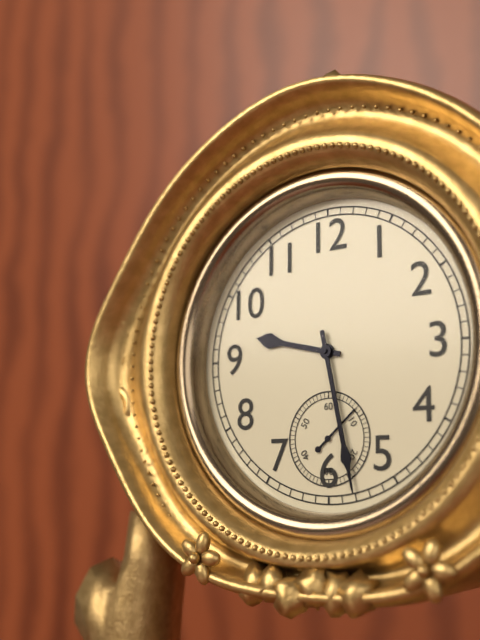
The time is 9,28,08
